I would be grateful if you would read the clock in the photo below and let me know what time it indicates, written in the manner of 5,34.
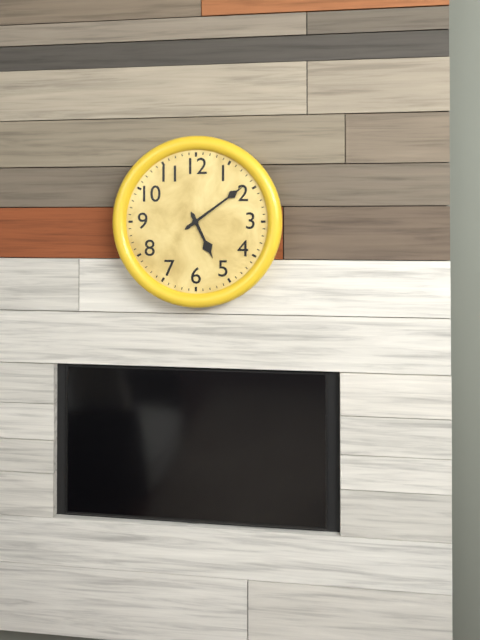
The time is 5,09
